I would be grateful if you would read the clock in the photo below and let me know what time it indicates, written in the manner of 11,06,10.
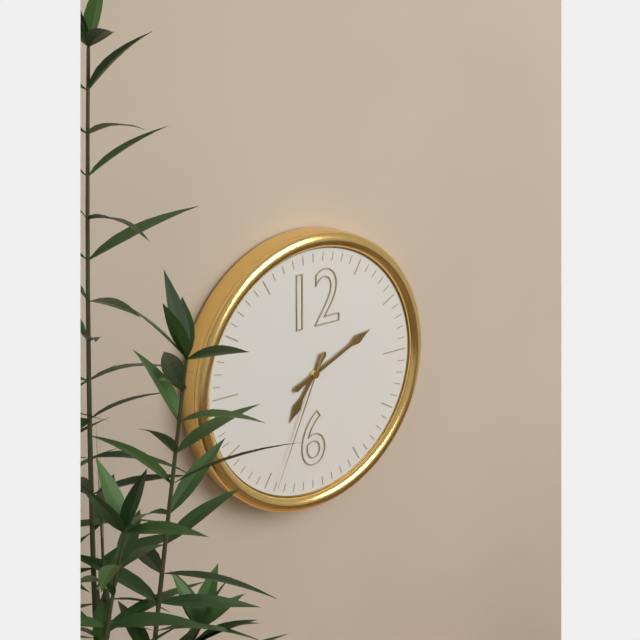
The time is 7,11,34
